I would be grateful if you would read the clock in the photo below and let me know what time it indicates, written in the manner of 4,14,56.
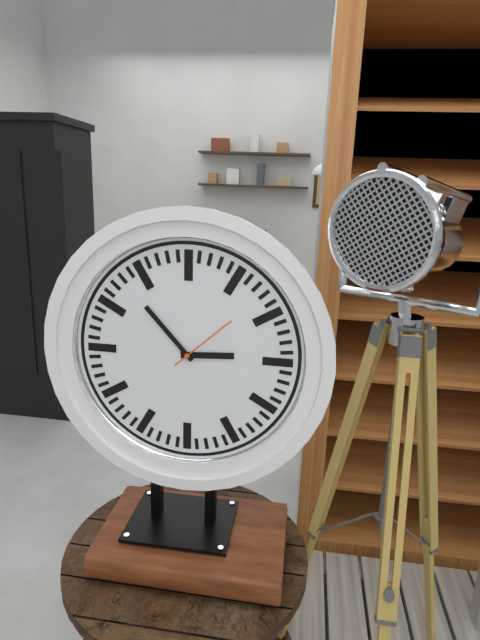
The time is 2,53,08
